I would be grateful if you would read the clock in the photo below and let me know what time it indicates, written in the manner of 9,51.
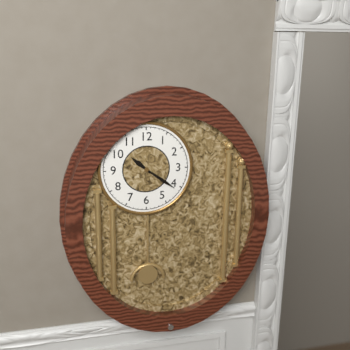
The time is 10,21
